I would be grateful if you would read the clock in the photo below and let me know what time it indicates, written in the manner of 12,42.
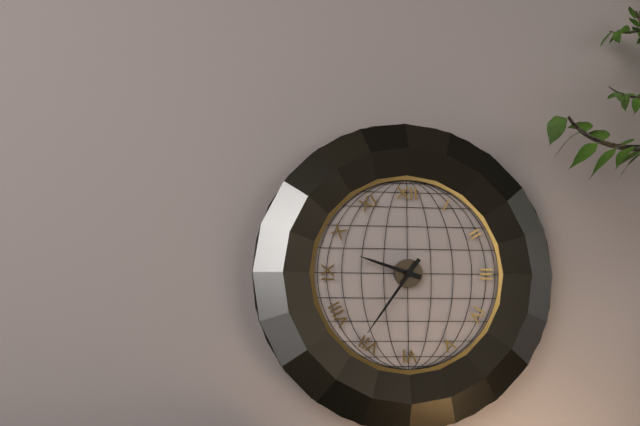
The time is 9,36
